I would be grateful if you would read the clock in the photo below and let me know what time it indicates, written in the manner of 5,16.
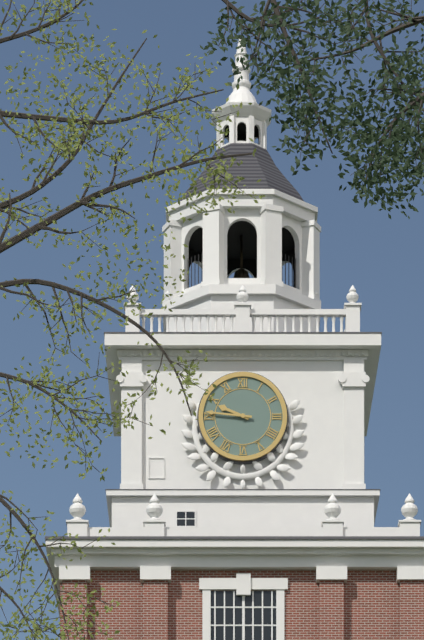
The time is 9,46
